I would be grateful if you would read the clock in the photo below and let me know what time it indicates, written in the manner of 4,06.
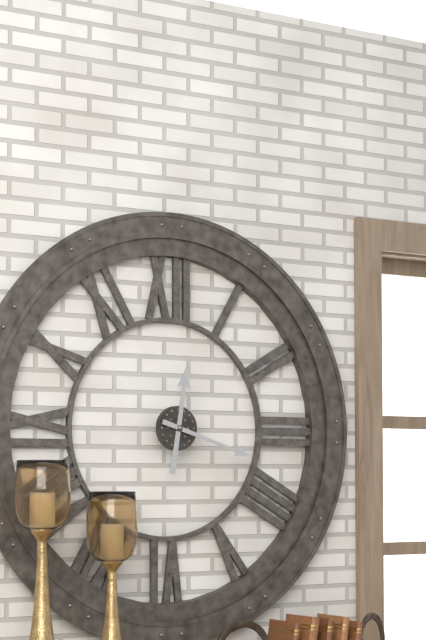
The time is 12,18
